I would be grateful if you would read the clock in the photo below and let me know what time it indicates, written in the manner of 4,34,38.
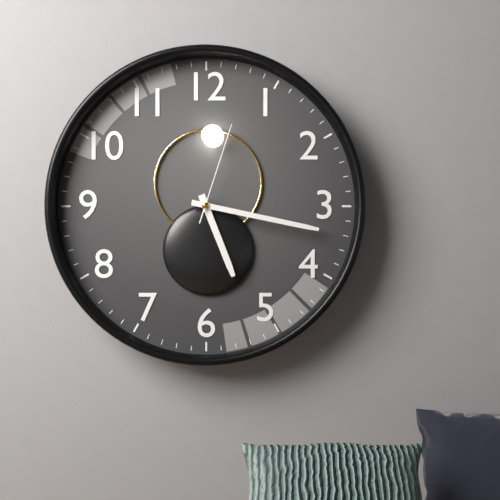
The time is 5,17,03
